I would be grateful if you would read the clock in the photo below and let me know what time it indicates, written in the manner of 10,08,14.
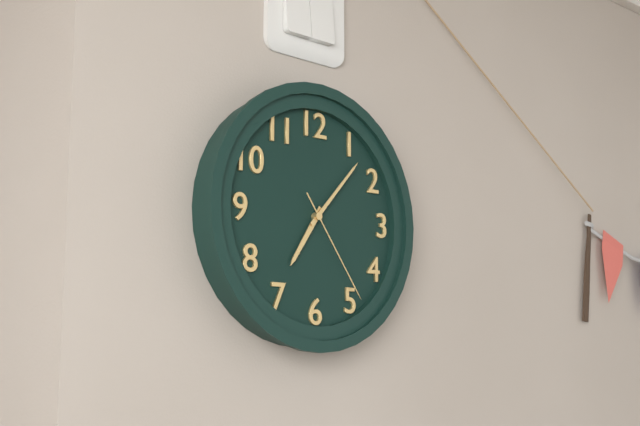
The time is 7,07,24
